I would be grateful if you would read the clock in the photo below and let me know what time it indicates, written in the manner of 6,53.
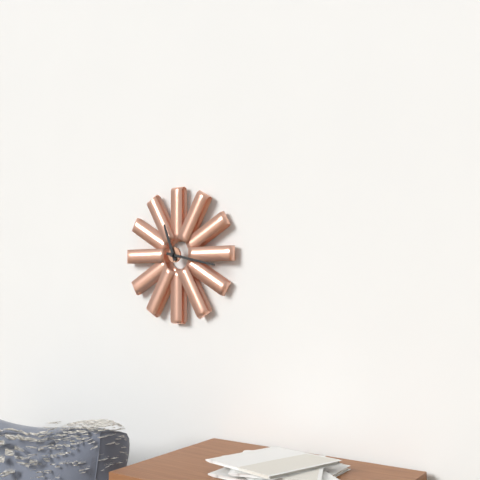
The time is 11,17
